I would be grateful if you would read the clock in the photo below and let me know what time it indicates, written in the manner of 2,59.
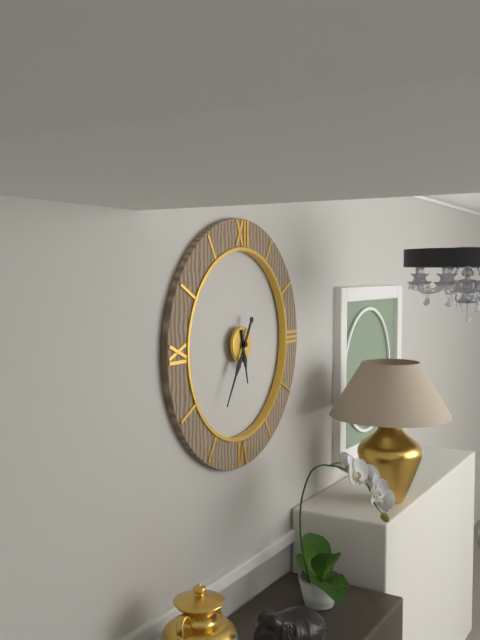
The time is 5,35
